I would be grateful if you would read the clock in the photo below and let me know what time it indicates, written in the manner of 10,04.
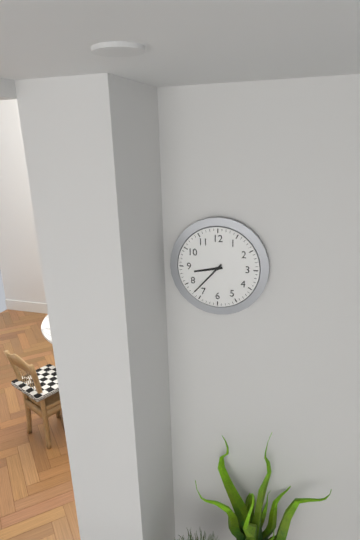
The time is 8,37
